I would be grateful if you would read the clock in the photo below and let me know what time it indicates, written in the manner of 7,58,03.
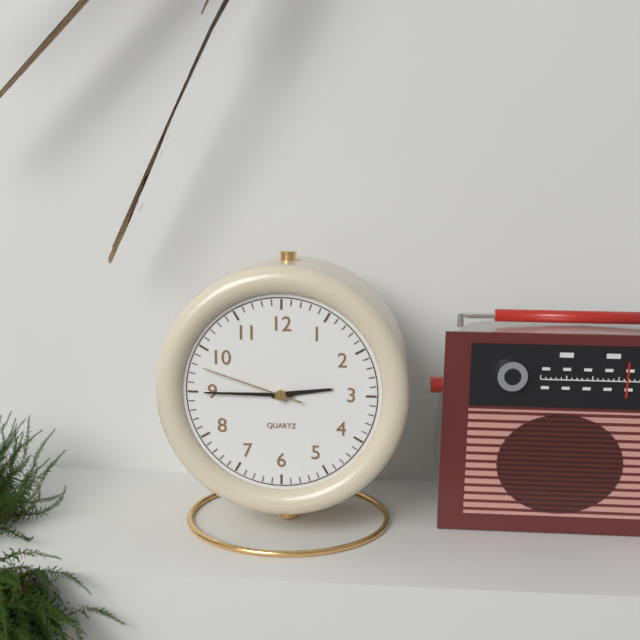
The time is 2,45,48
